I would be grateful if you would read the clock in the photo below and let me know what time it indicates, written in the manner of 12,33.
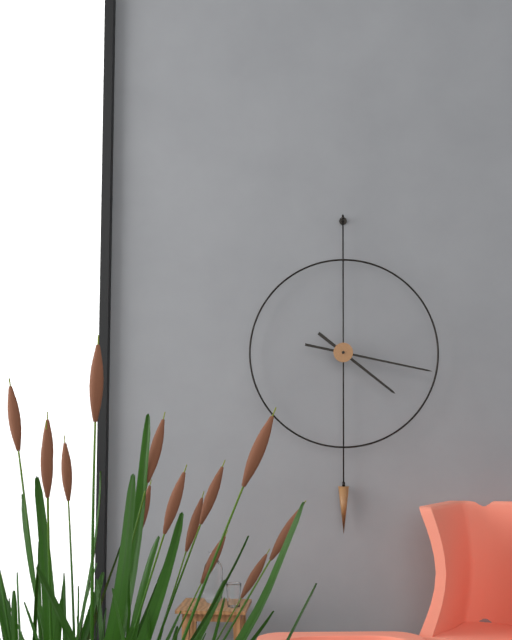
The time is 4,17
